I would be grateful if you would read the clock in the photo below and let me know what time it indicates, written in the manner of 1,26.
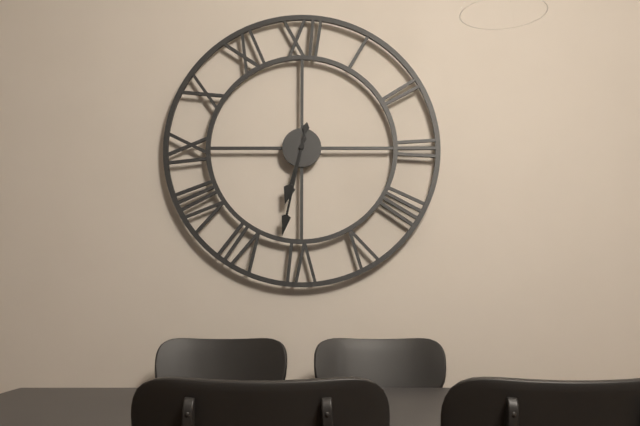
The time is 6,32
